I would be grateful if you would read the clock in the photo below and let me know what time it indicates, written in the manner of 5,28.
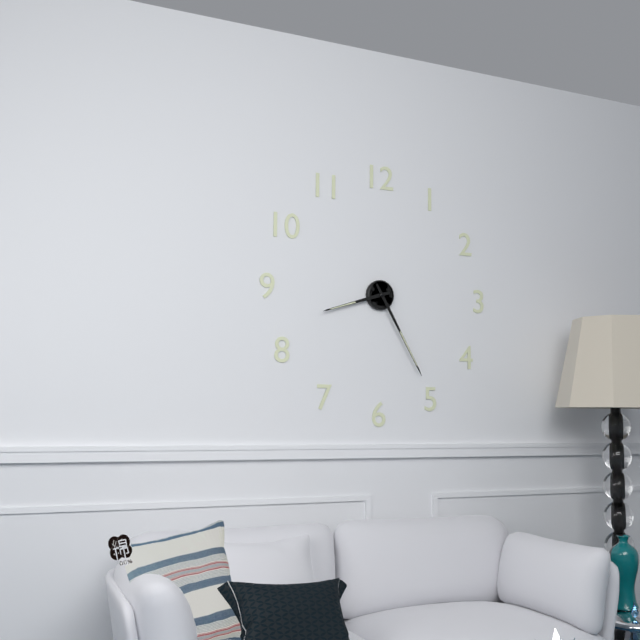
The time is 8,25
